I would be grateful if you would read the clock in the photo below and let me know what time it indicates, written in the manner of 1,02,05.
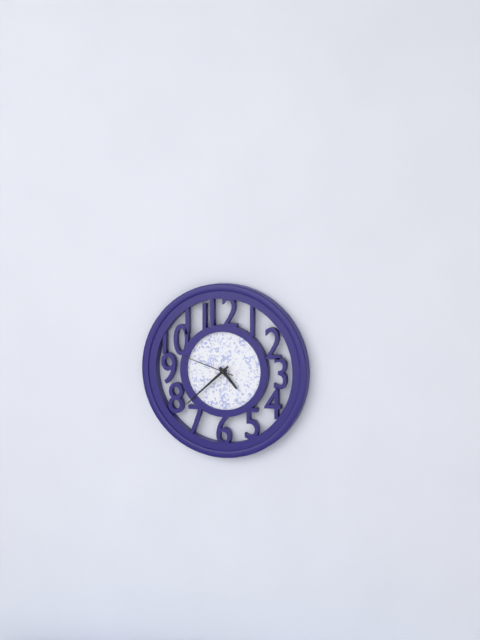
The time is 4,38,48
